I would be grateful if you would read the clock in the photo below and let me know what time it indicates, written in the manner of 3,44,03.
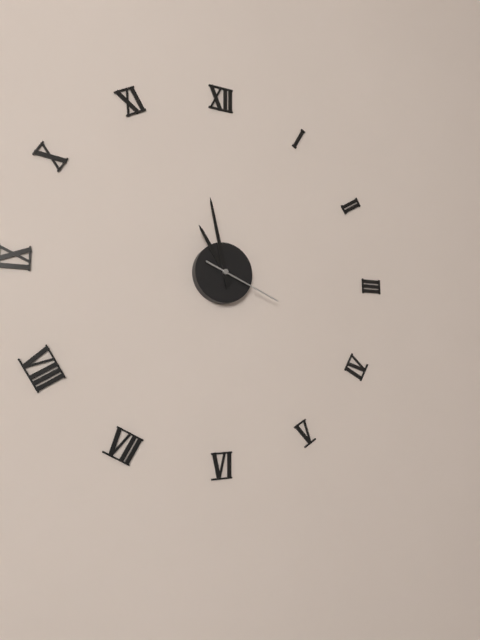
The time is 10,58,19
